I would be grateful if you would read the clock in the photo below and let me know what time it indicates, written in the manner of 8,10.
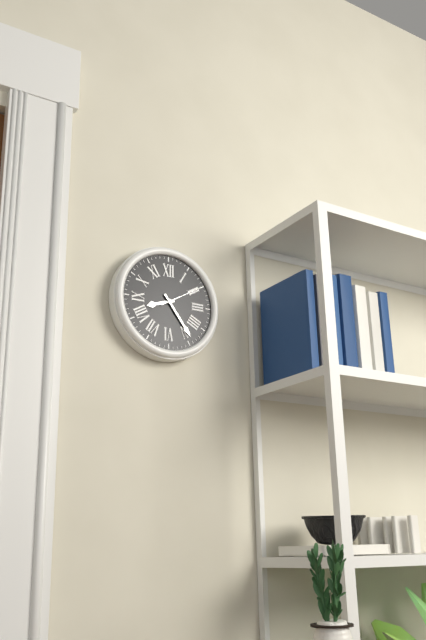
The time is 8,24
